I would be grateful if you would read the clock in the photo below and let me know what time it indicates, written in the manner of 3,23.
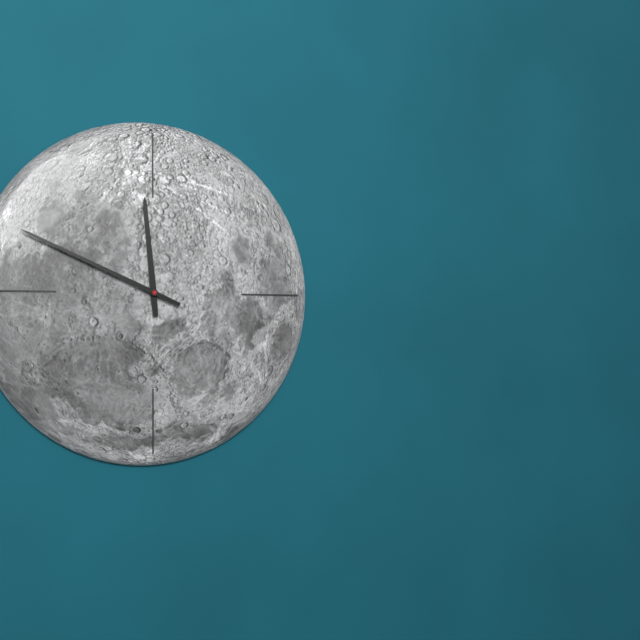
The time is 11,49
